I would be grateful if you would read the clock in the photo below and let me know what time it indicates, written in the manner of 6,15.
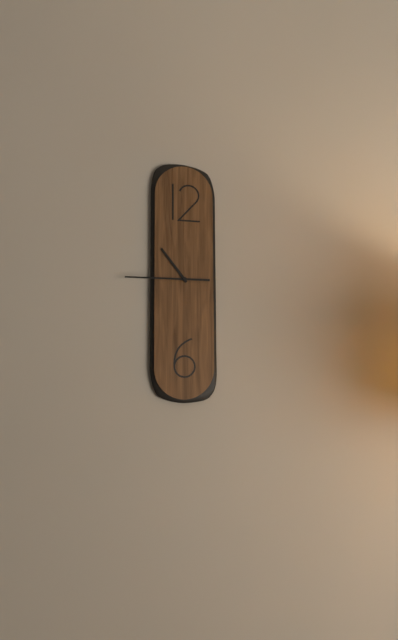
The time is 10,45
